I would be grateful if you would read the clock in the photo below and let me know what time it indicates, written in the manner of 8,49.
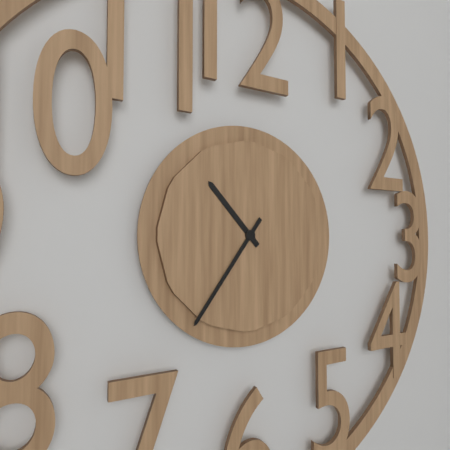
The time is 10,36
